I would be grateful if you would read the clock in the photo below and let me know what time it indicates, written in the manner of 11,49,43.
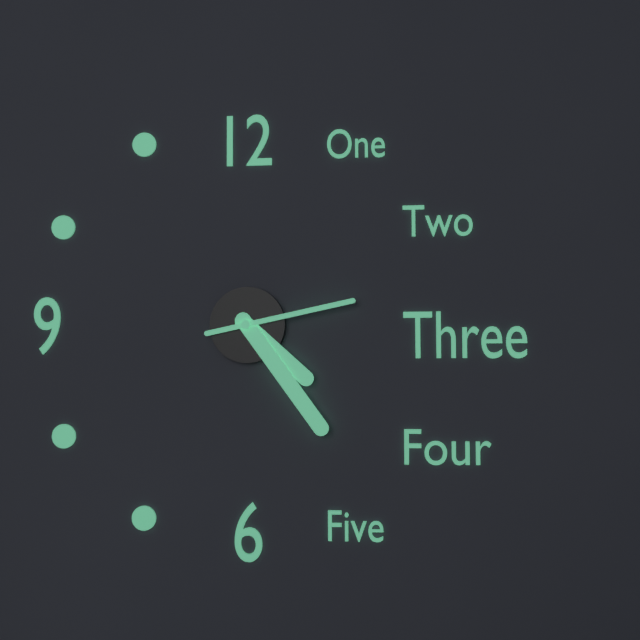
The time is 4,24,13
